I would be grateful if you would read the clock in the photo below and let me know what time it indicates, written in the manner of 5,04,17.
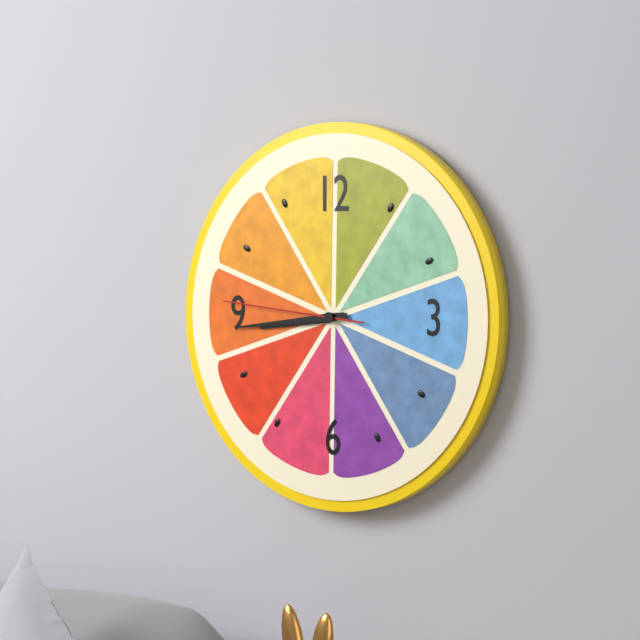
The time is 8,44,46
